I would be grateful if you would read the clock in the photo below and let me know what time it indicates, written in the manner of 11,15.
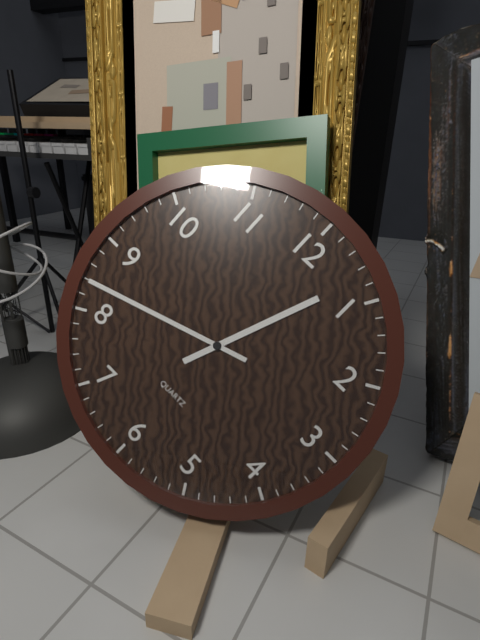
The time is 12,42
